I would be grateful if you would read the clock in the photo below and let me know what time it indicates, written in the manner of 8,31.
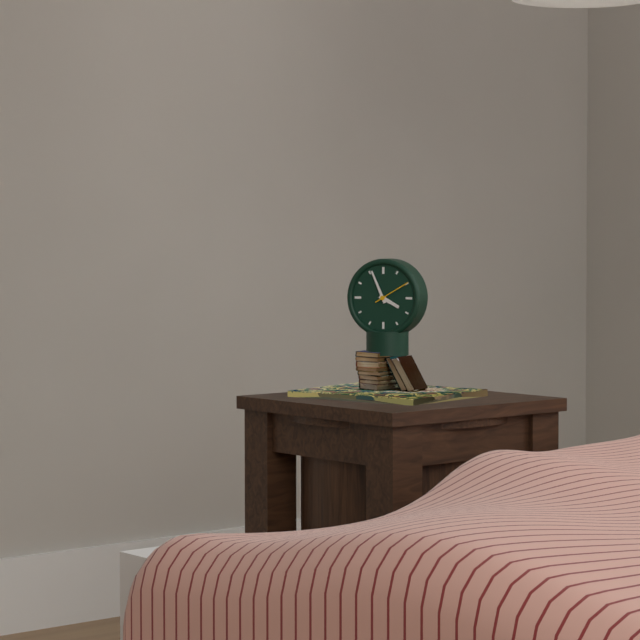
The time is 3,56
